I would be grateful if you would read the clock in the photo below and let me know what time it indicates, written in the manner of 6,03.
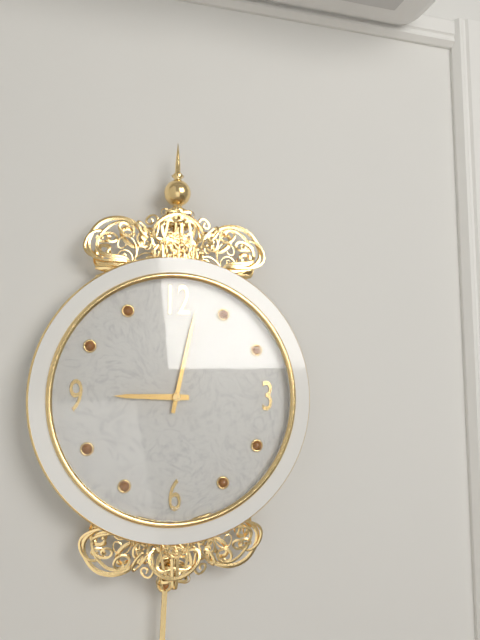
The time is 9,02
